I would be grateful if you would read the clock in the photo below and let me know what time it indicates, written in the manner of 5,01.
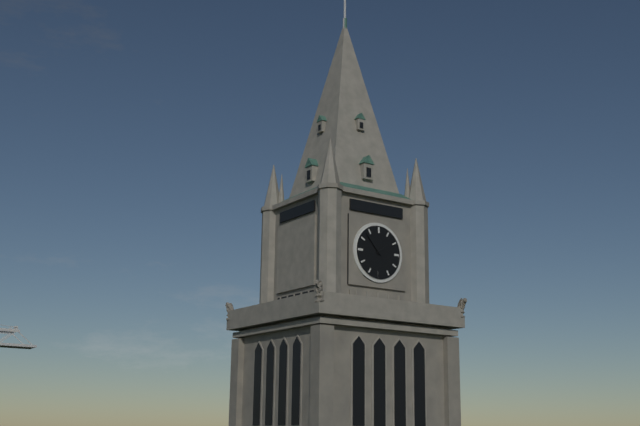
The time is 1,53
